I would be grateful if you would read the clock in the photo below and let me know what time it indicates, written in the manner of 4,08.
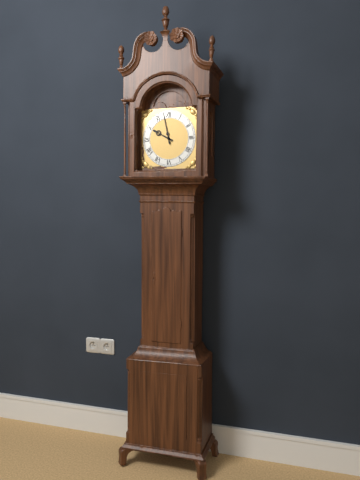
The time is 9,58
